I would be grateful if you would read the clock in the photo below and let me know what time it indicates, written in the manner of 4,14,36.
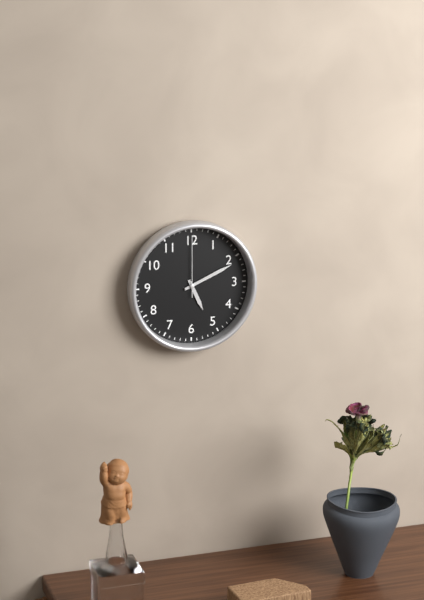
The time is 5,11,00
